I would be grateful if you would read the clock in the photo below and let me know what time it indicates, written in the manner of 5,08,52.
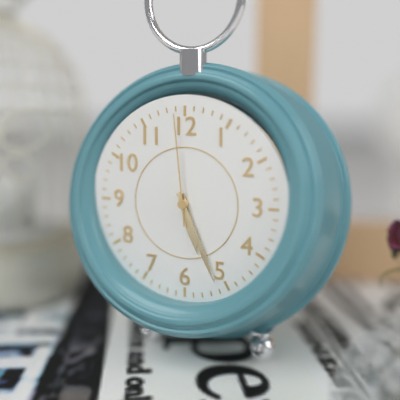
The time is 5,26,59
